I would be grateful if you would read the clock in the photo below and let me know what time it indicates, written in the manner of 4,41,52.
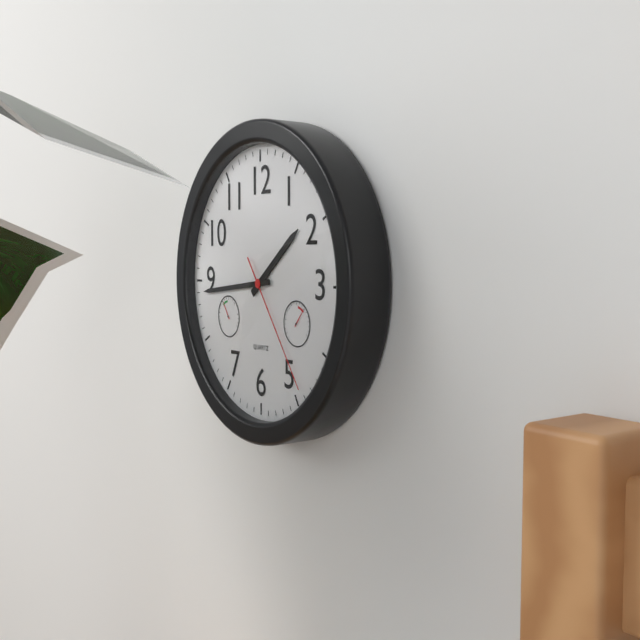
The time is 1,44,24
